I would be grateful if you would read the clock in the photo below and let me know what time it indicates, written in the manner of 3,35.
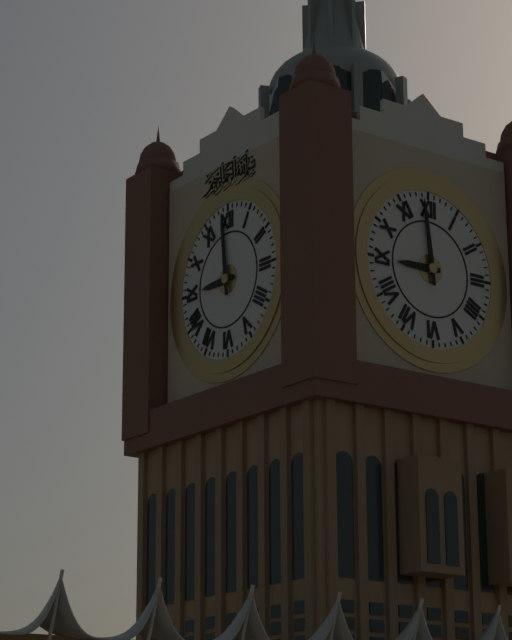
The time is 8,59
